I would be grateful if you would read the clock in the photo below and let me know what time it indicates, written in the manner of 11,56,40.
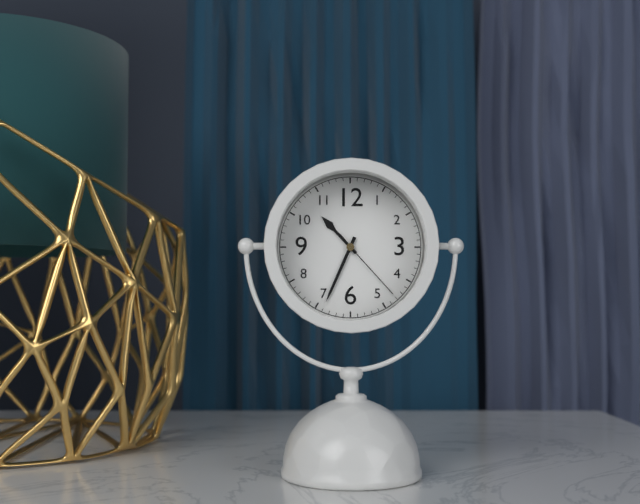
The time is 10,34,23
